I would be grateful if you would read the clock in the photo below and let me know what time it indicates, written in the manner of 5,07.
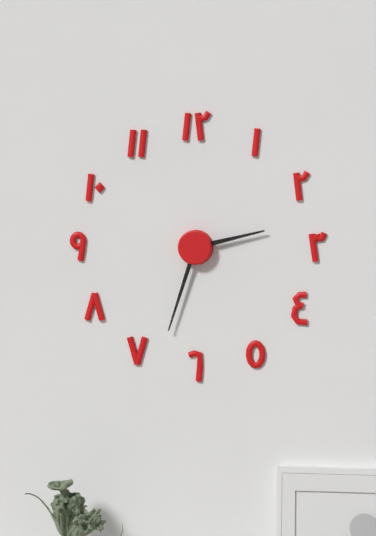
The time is 2,33
